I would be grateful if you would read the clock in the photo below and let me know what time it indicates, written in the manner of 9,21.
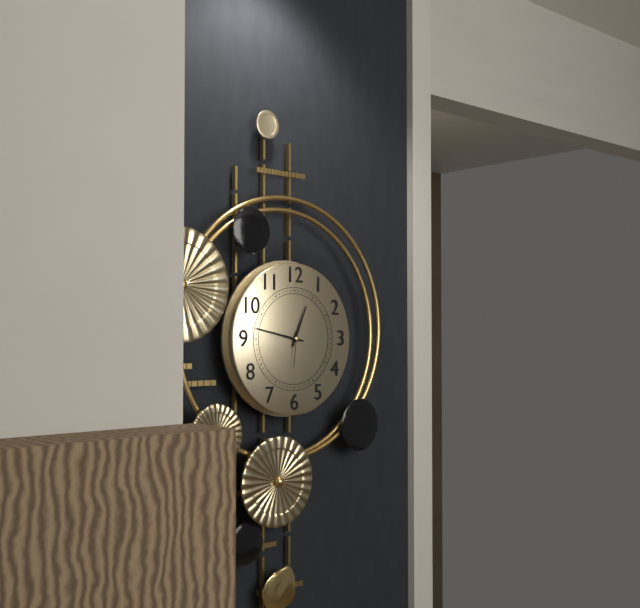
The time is 12,47
